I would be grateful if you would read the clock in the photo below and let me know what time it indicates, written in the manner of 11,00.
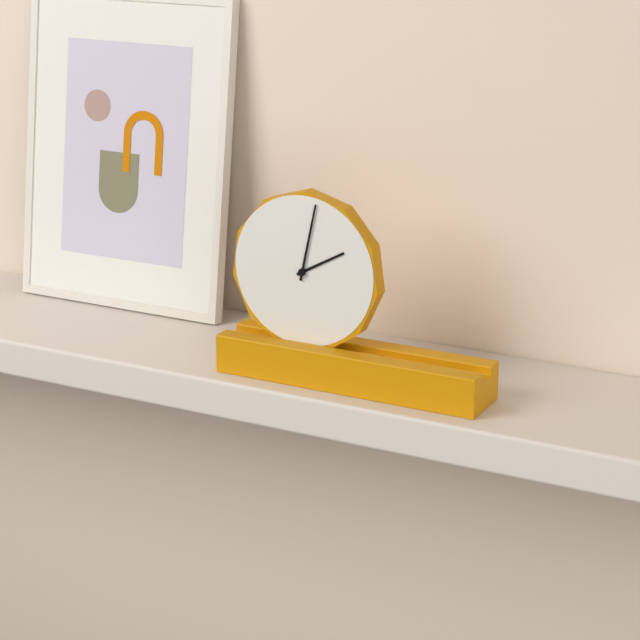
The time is 2,02
